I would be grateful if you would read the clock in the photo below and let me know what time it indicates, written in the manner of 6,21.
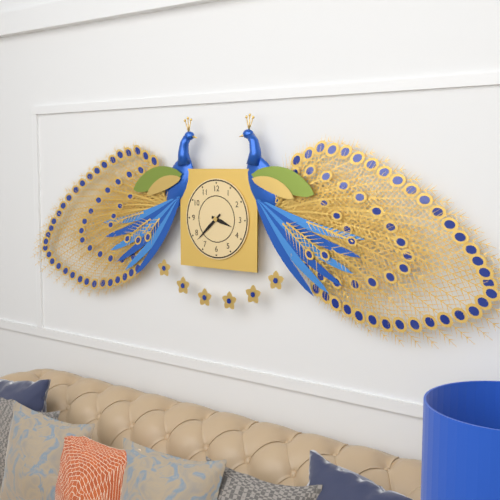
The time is 3,38
